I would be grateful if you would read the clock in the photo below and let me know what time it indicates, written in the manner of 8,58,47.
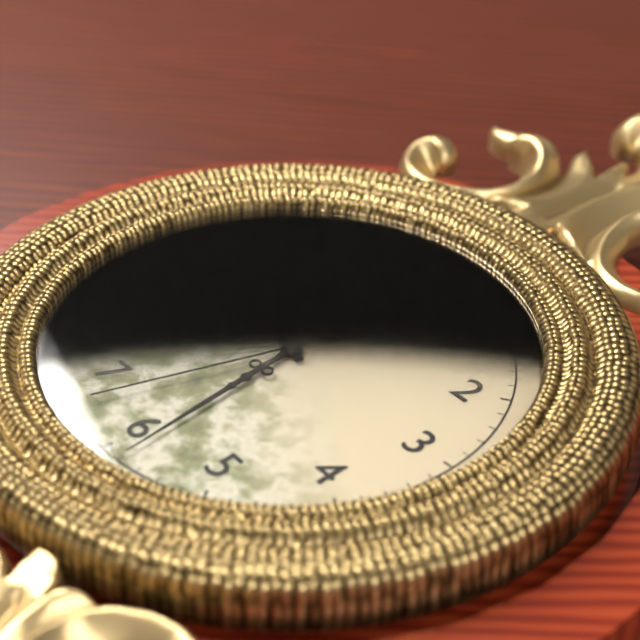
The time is 9,29,33
